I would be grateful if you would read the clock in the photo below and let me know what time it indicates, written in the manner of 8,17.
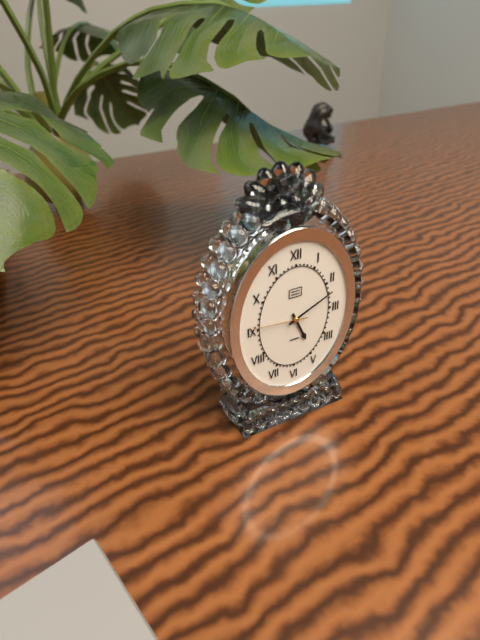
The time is 5,11
